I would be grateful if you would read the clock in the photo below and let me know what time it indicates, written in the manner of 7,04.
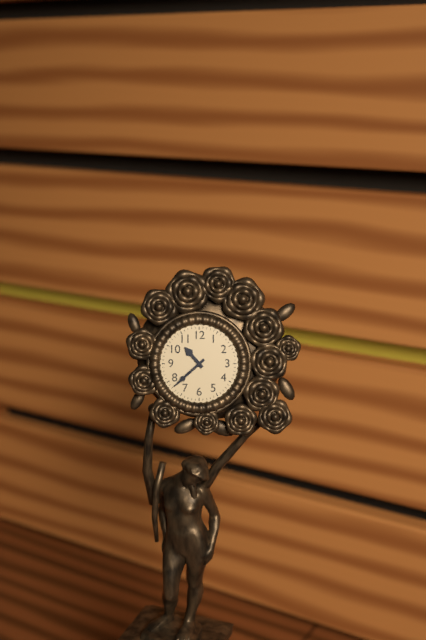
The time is 10,38
